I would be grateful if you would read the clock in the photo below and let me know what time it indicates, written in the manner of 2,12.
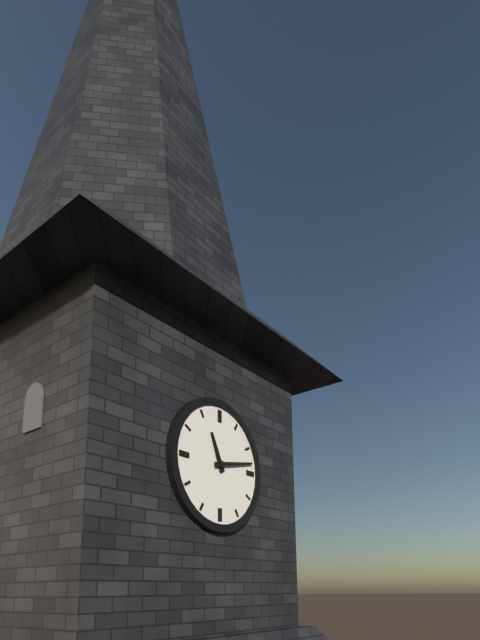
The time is 11,13
